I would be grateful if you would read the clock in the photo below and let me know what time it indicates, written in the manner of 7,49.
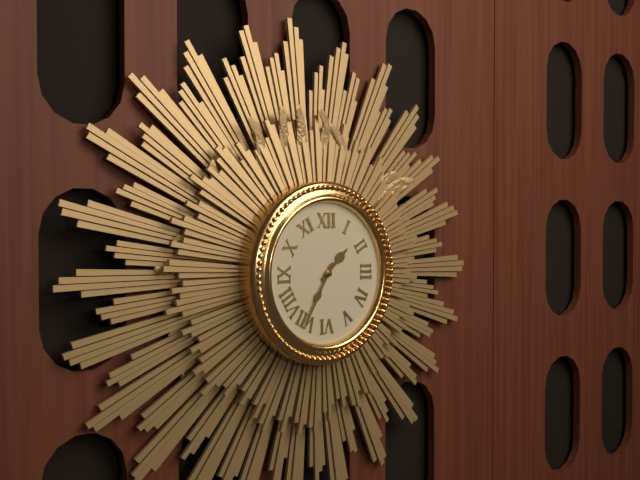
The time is 1,35
